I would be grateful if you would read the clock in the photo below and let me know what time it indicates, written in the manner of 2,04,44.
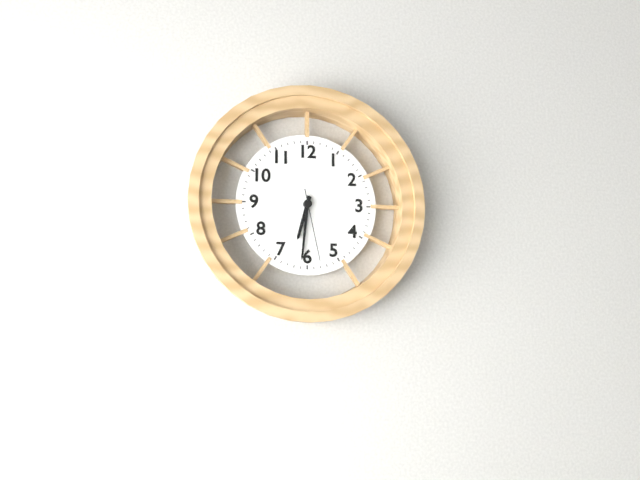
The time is 6,31,28
